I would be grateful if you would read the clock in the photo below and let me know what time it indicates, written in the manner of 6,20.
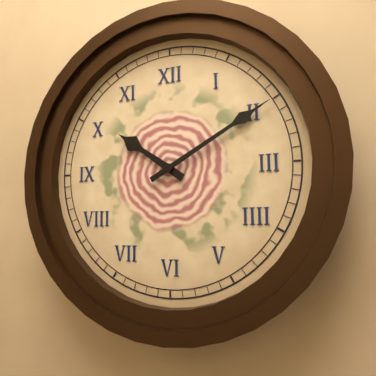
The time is 10,10
